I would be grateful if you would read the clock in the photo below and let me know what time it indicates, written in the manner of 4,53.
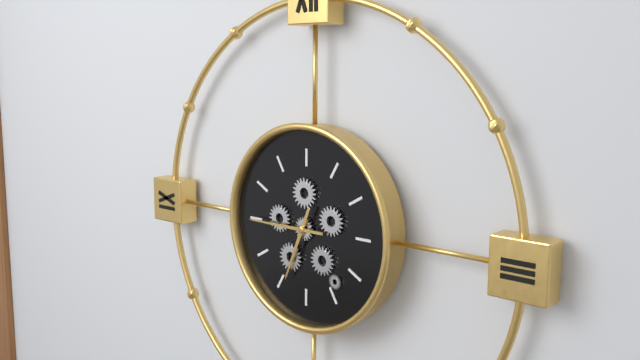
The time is 6,45
